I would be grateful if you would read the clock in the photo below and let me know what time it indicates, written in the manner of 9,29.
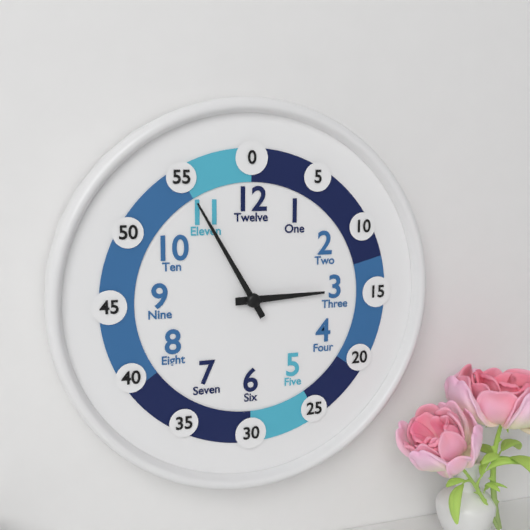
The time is 2,55
